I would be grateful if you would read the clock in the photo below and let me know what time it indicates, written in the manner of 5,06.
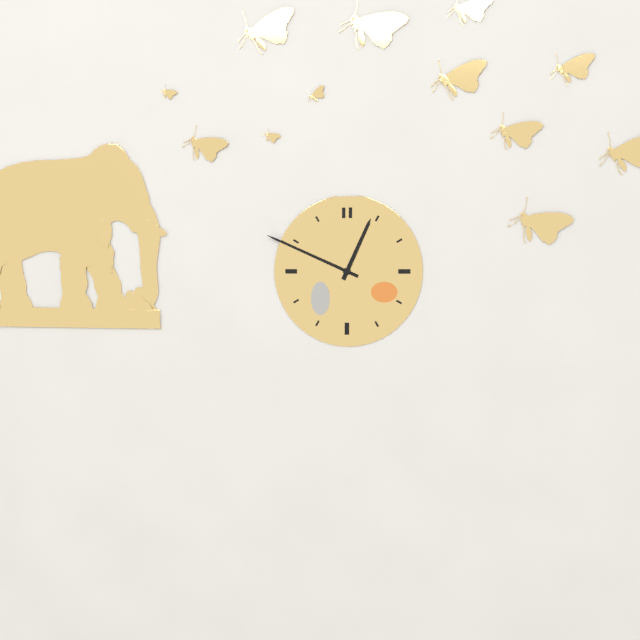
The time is 12,49
